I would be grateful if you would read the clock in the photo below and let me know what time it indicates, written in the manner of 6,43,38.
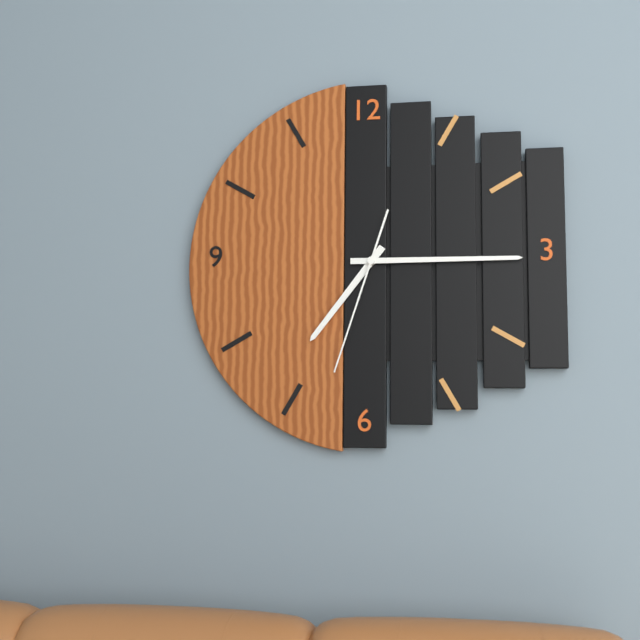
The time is 7,15,33
